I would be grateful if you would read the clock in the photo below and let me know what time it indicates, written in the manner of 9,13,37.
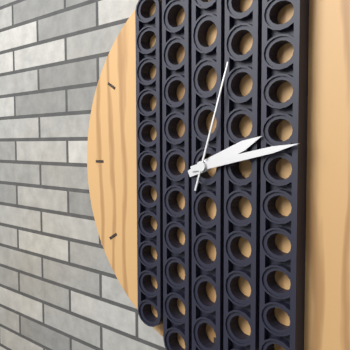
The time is 2,13,03
